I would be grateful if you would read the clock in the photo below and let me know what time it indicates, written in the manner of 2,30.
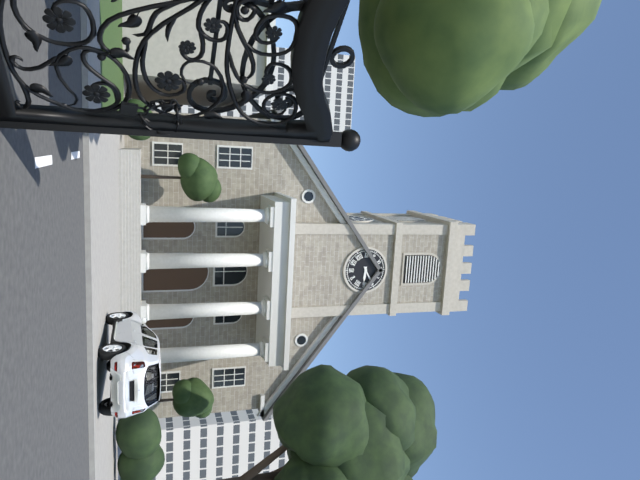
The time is 3,10
